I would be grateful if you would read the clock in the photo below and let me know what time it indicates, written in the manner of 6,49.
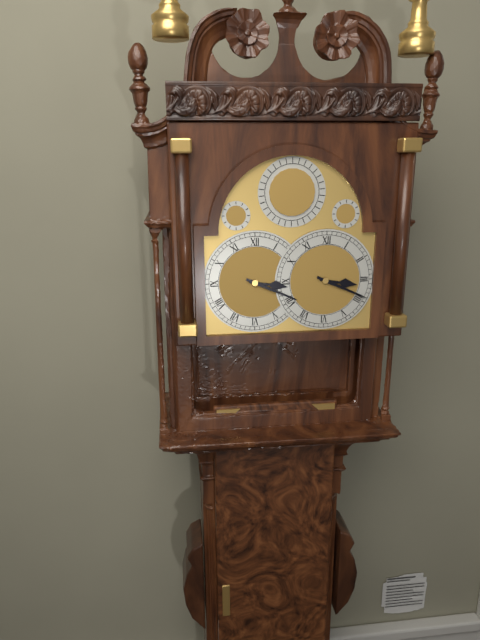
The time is 3,19
